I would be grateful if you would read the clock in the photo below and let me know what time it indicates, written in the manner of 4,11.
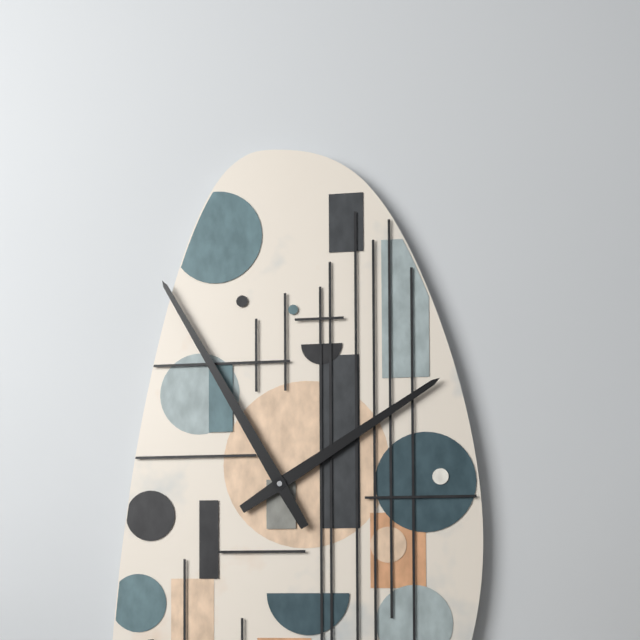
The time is 1,55
